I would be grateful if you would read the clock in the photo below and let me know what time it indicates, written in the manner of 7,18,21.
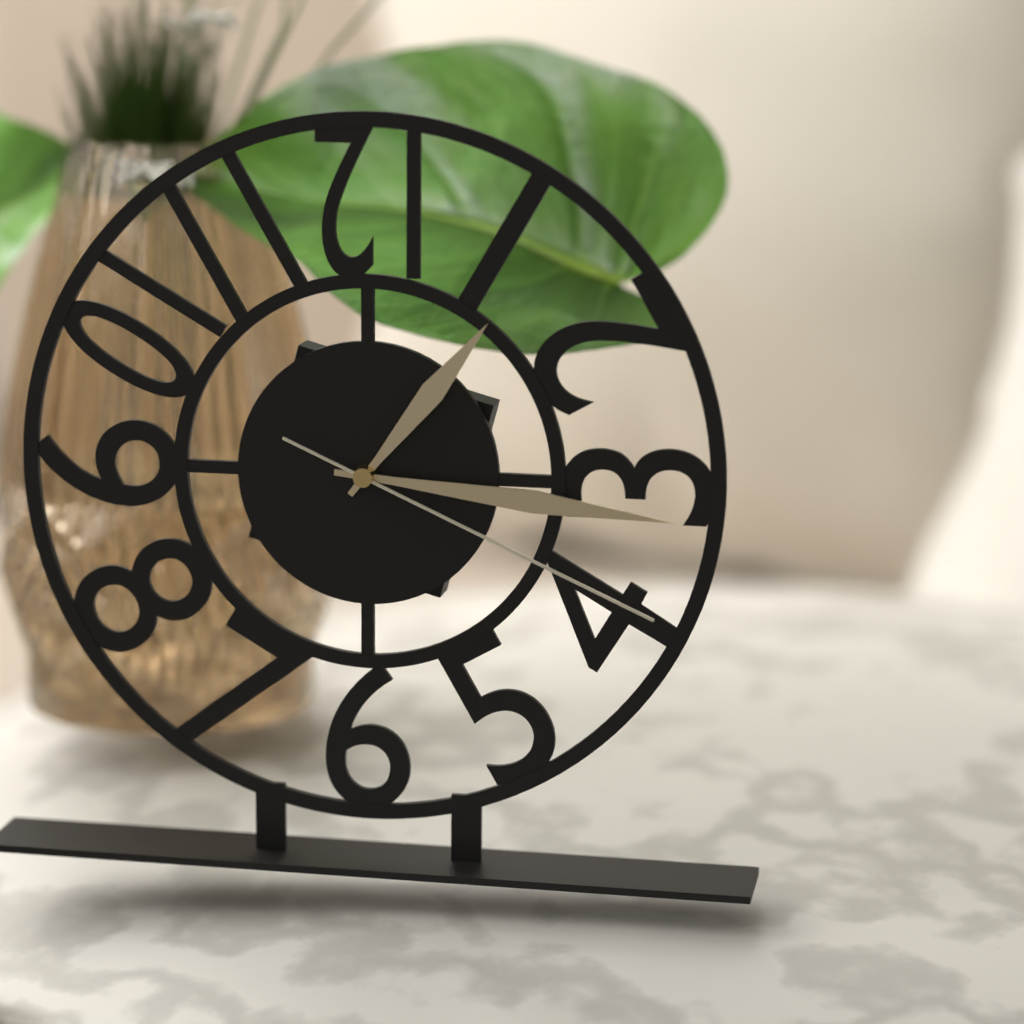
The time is 1,16,19
